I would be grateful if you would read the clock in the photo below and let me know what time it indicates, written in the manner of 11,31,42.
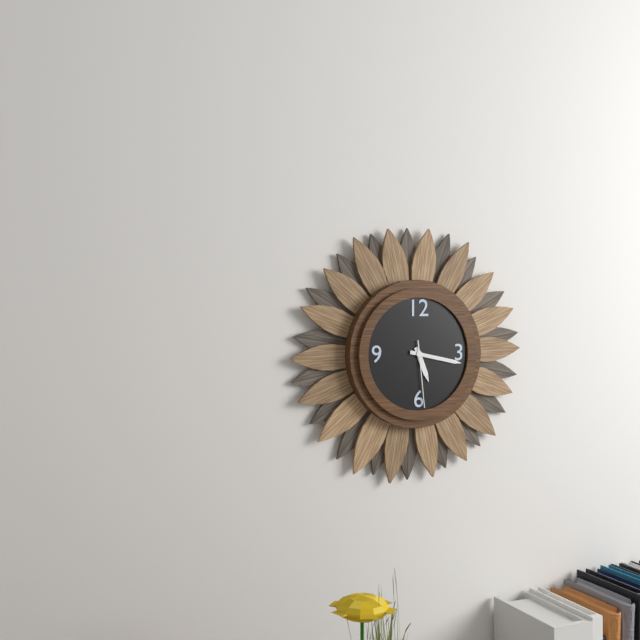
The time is 5,17,29
